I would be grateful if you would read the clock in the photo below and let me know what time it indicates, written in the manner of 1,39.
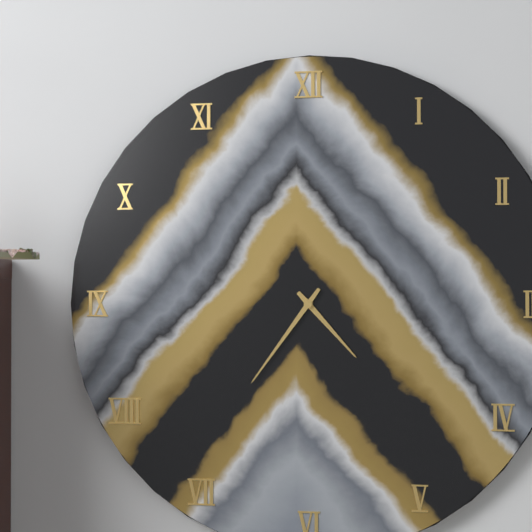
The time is 4,36
